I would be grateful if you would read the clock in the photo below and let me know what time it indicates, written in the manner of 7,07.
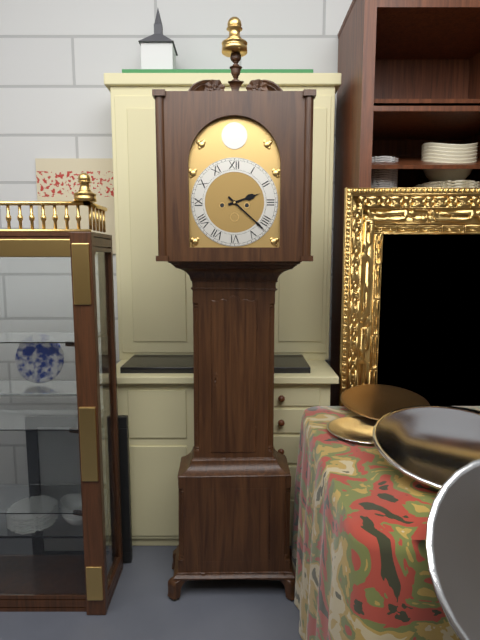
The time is 2,22
